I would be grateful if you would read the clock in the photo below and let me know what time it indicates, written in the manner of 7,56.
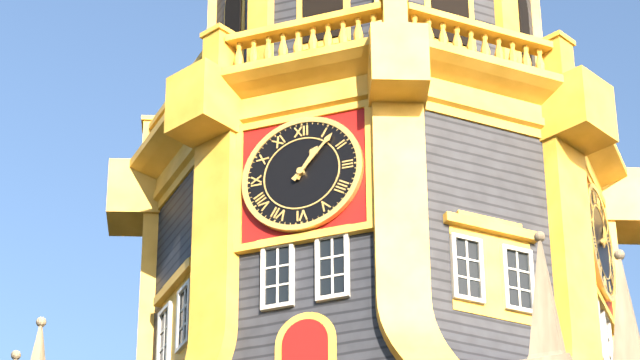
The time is 1,07
